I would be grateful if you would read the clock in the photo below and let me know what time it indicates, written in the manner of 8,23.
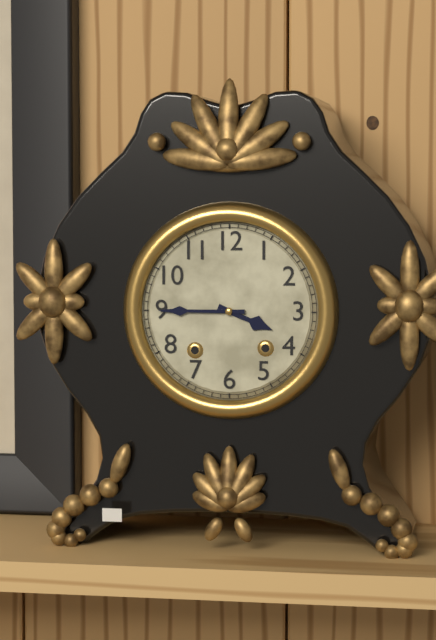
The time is 3,45
